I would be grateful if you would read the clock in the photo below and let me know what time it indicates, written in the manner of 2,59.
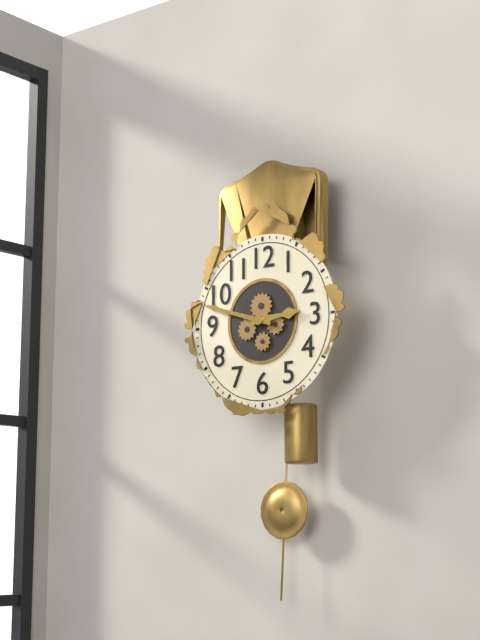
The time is 2,48
